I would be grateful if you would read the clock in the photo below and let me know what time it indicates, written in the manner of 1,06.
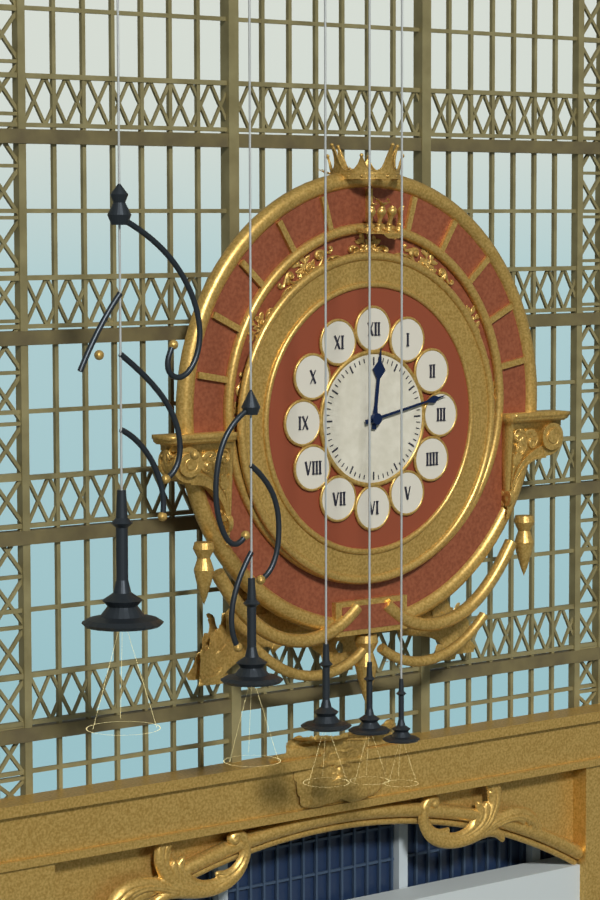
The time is 12,13
